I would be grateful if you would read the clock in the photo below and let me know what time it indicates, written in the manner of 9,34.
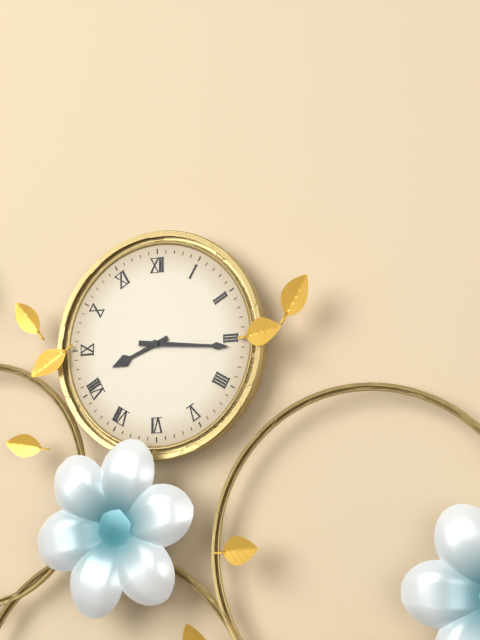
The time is 8,16
